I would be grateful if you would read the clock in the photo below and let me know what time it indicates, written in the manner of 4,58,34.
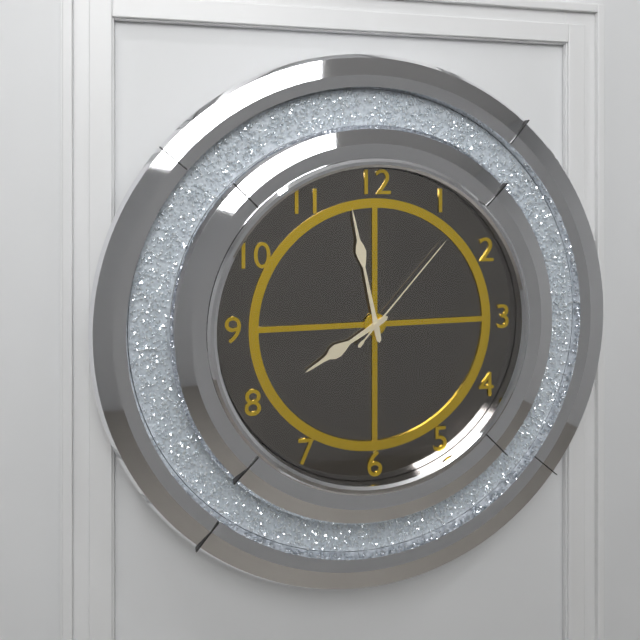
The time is 7,58,07
